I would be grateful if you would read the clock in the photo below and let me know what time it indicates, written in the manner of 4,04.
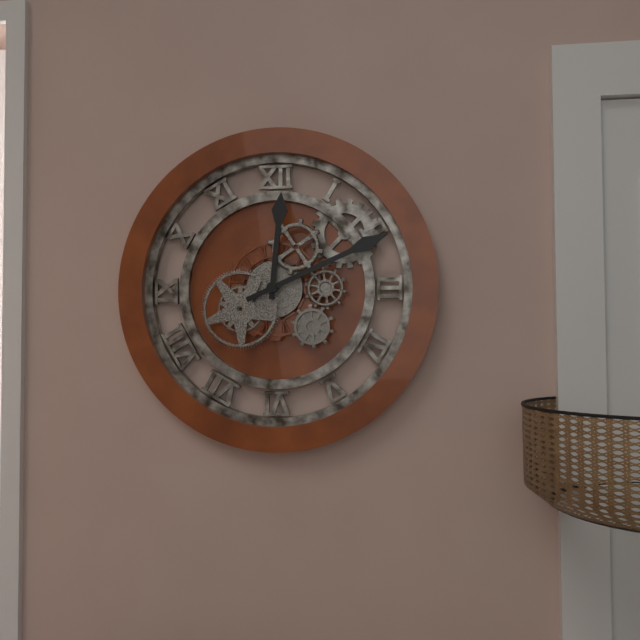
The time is 12,11
